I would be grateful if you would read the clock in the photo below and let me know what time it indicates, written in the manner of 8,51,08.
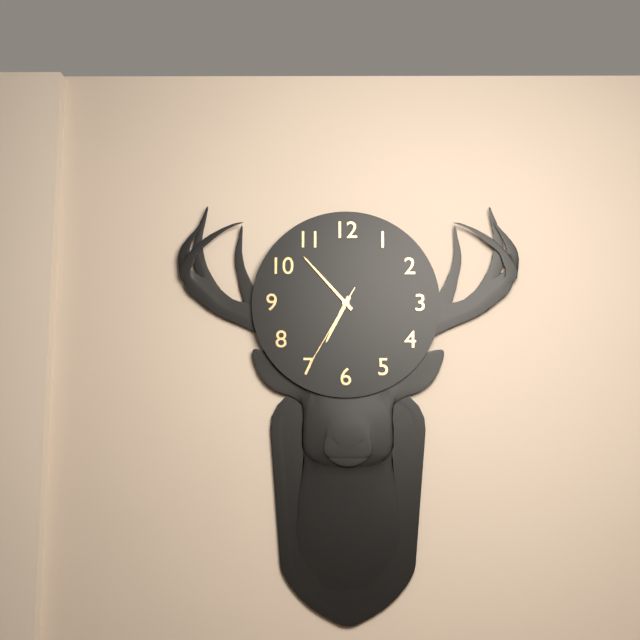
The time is 6,53,35
